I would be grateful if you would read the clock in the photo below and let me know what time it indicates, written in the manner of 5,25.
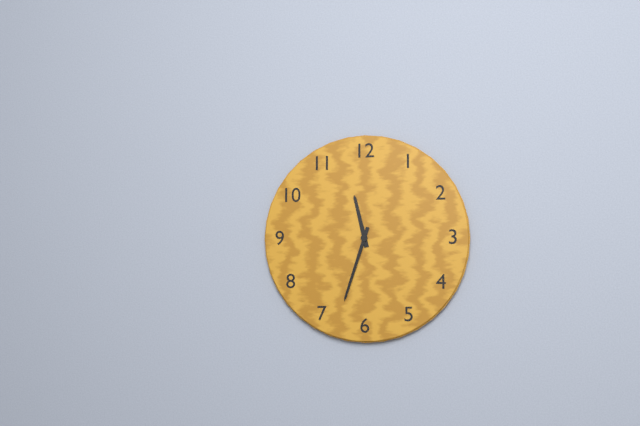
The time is 11,33
